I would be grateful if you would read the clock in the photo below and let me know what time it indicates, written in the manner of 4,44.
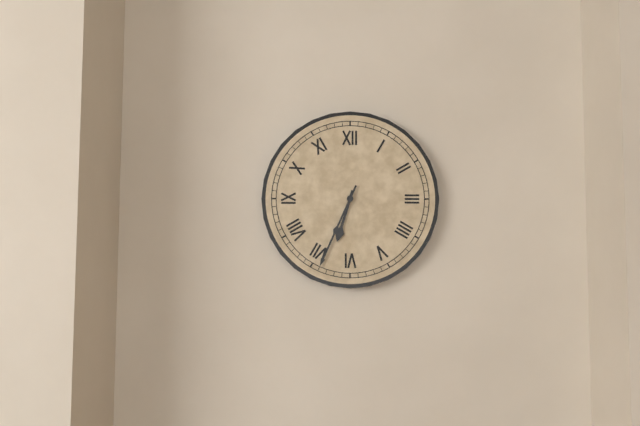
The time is 6,34
